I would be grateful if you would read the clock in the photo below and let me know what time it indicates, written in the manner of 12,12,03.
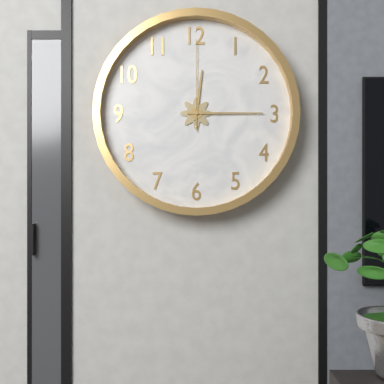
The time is 12,15,00
